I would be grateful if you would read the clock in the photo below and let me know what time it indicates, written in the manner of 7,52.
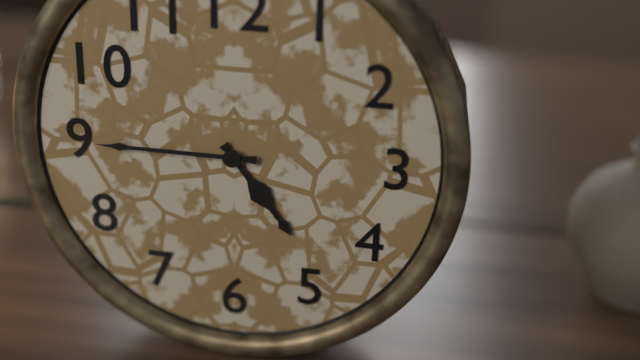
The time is 4,45
